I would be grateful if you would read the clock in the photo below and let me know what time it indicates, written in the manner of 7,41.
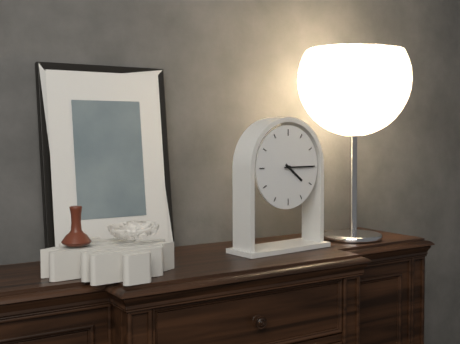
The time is 4,15
